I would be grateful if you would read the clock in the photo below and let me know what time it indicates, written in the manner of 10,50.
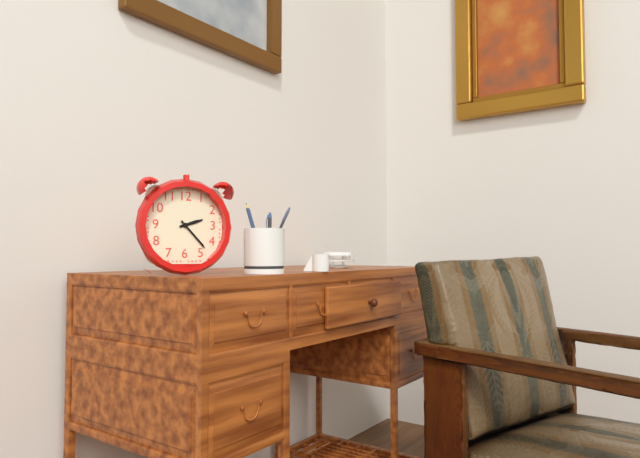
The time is 2,23
